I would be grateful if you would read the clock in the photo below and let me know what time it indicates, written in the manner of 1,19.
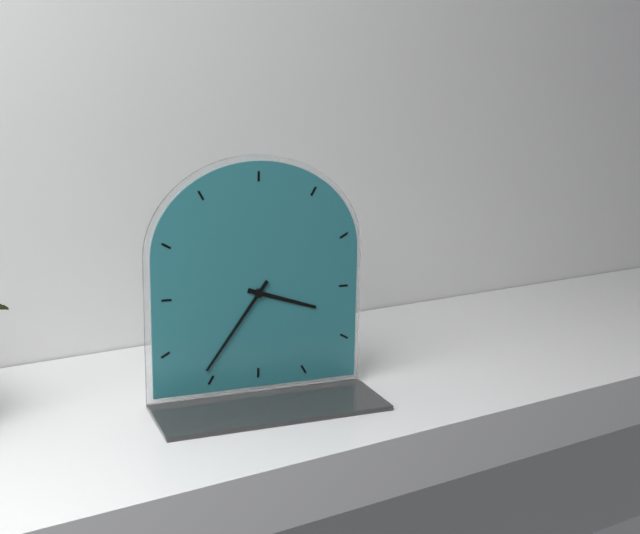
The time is 3,36
